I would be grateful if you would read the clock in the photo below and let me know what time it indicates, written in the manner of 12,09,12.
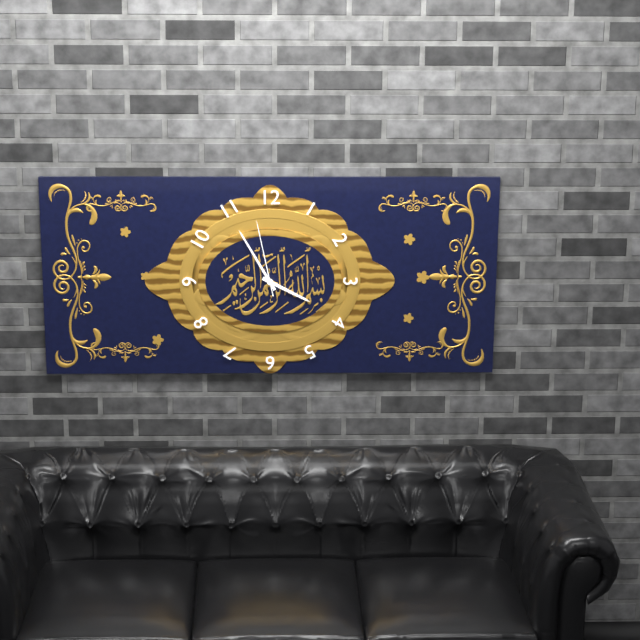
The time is 3,55,58
